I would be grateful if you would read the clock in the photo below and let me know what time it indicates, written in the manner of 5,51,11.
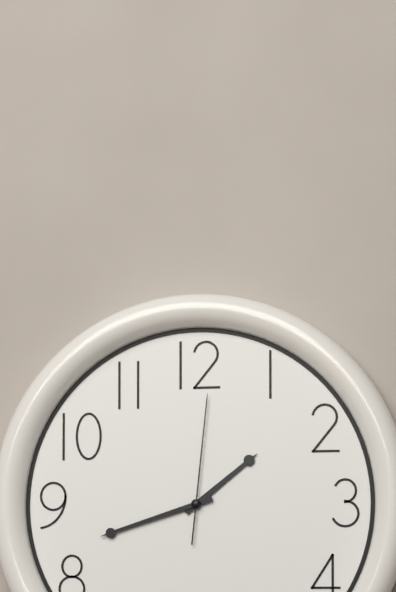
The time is 1,42,01
